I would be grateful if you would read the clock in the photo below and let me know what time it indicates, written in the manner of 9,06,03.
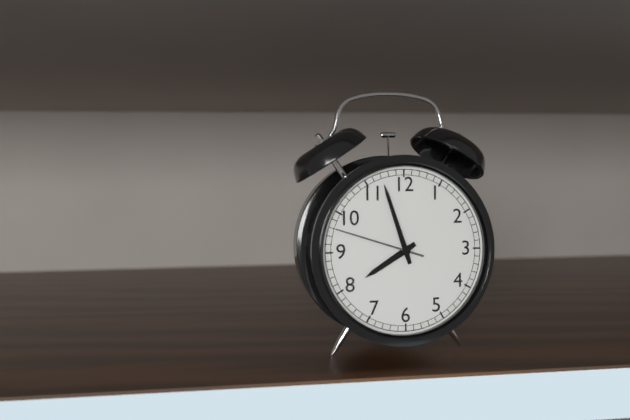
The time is 7,57,48
